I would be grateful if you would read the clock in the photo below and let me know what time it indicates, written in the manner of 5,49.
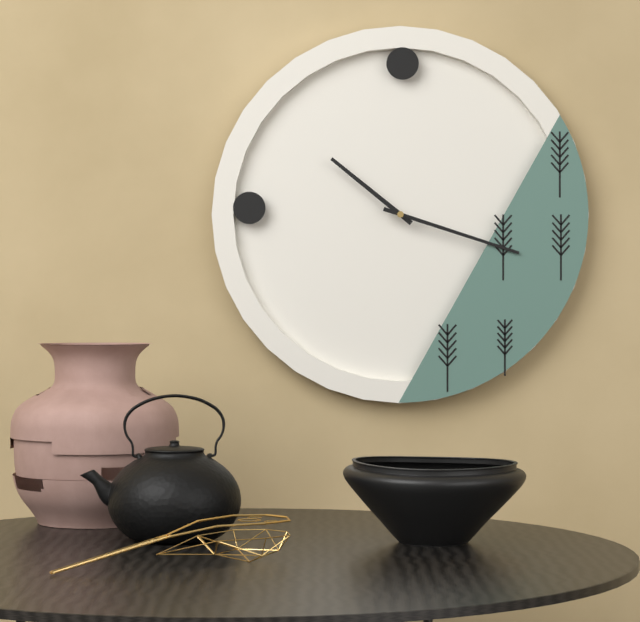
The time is 10,18
